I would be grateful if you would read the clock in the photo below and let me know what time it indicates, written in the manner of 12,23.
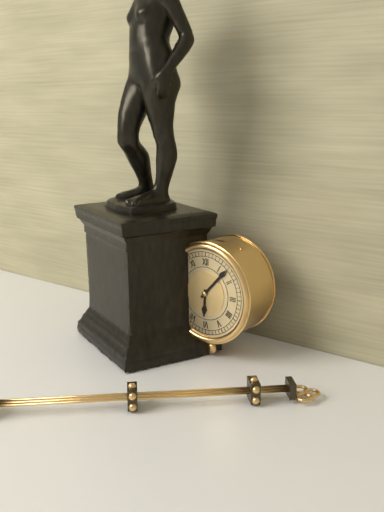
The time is 6,07
